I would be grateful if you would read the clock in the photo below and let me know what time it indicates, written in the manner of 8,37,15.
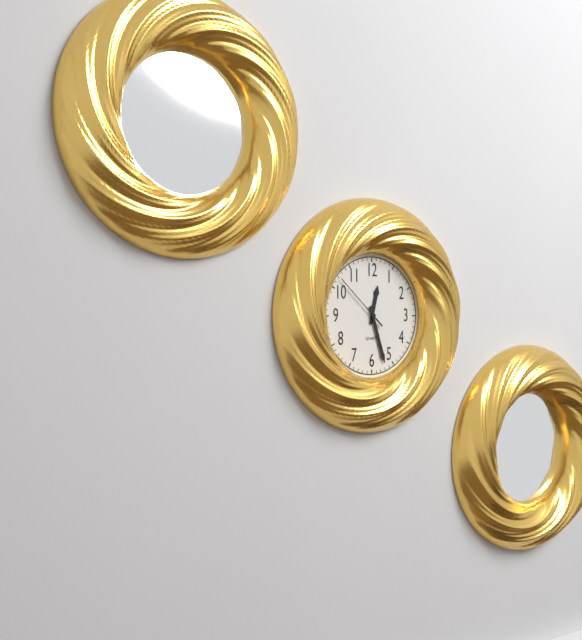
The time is 12,27,52
